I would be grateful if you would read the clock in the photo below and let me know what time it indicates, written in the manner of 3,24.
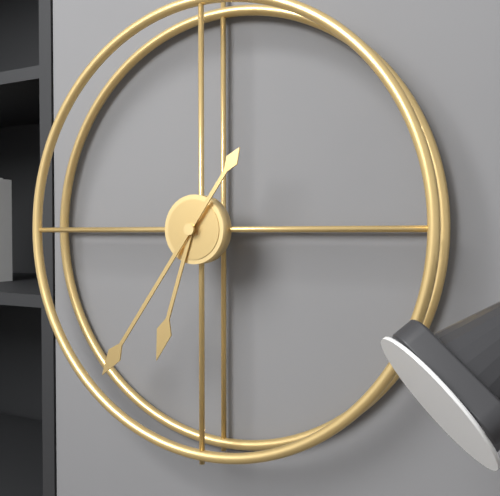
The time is 6,36
